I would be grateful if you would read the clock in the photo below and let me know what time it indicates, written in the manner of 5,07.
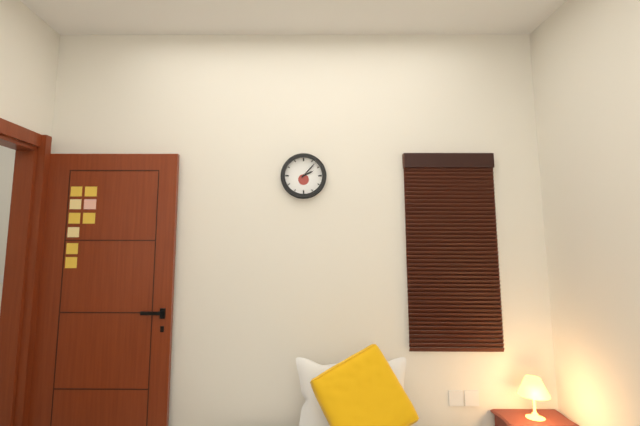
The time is 2,07
